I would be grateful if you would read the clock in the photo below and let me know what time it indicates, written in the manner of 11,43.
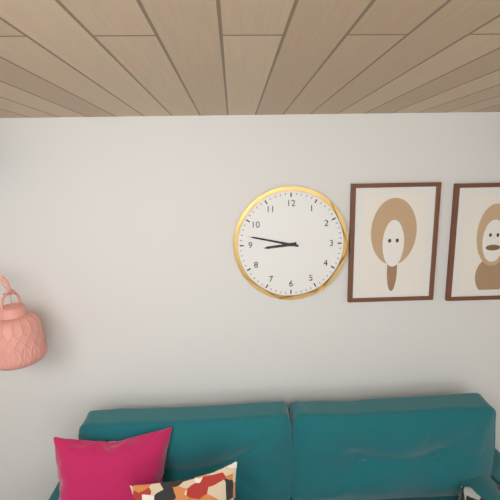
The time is 8,47
